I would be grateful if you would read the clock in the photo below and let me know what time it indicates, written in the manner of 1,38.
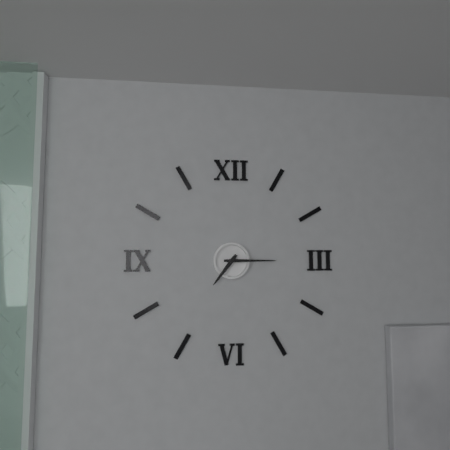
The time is 7,15
